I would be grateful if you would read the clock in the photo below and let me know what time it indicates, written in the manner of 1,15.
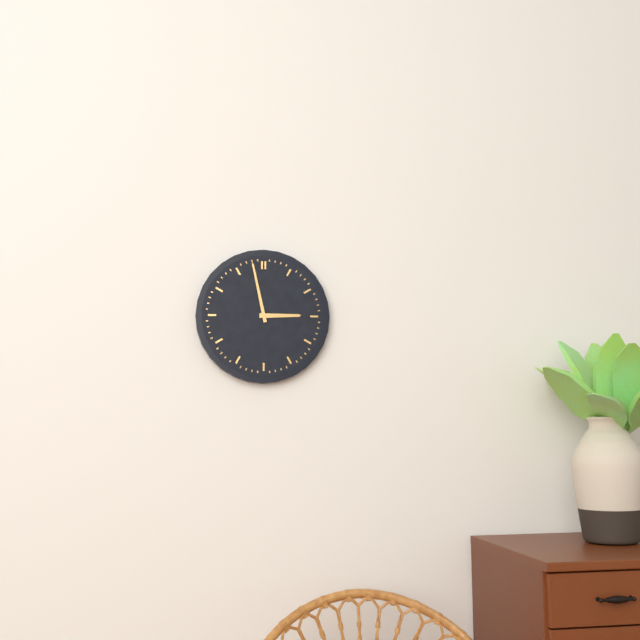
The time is 2,58
